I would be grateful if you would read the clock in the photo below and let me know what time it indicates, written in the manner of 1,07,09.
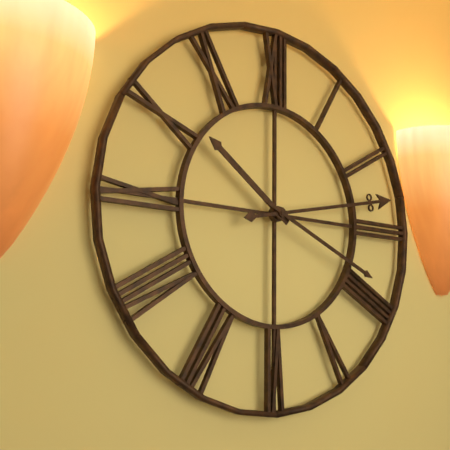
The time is 10,13,19
